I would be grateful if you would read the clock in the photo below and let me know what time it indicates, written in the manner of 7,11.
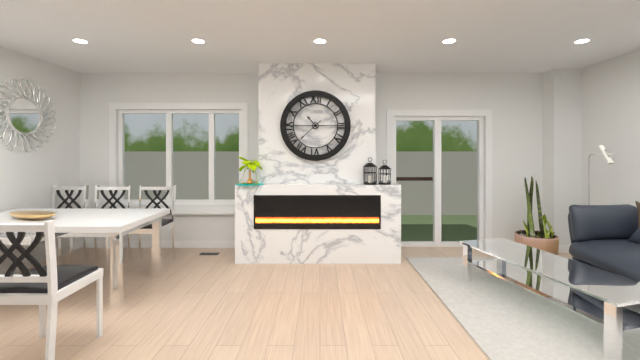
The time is 10,38
